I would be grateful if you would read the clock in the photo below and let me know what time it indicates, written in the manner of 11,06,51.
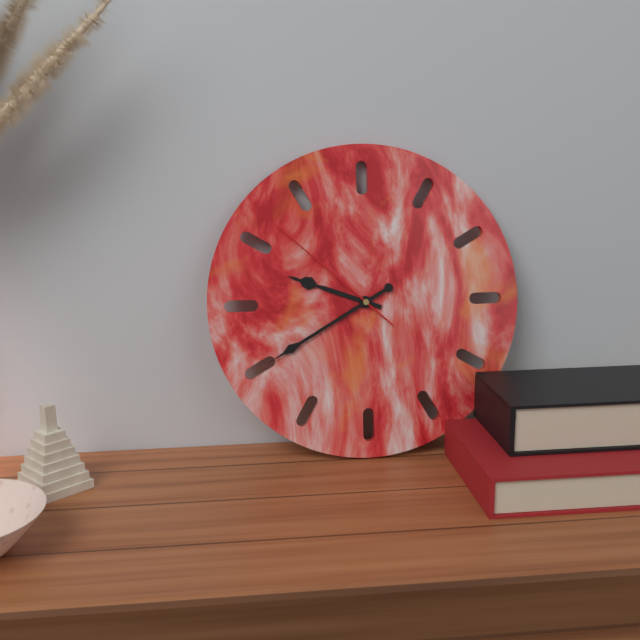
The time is 9,40,52
